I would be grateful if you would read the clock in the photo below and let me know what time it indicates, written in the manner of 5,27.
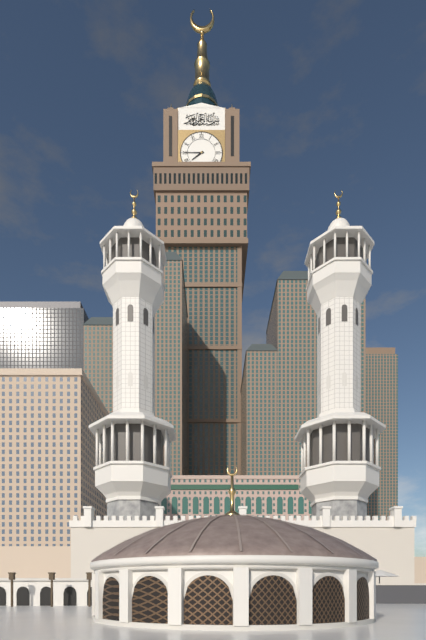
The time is 7,45
